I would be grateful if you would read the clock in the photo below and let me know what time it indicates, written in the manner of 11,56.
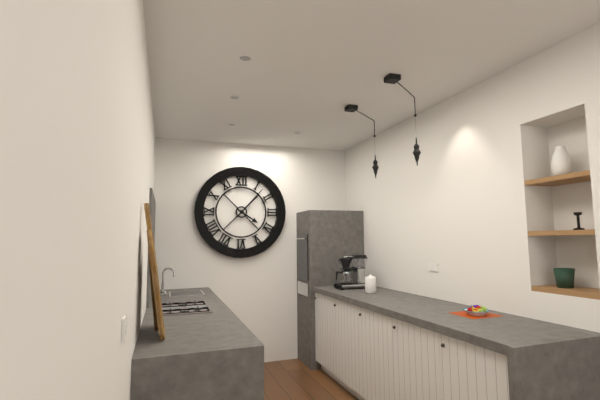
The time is 4,07
